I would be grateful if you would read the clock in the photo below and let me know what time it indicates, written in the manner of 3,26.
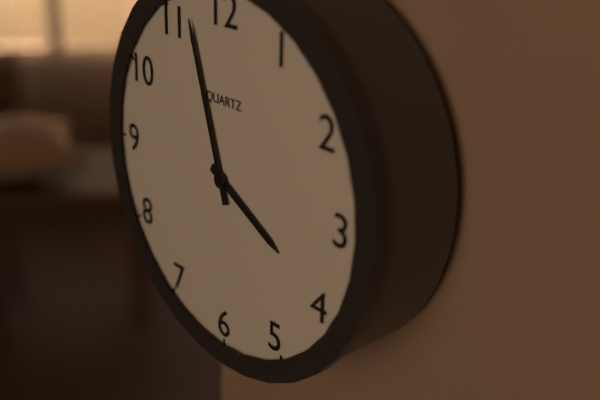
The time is 3,57
